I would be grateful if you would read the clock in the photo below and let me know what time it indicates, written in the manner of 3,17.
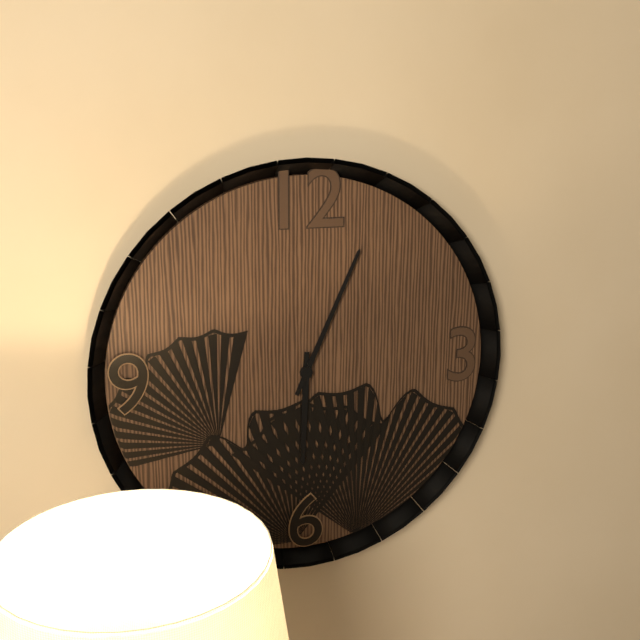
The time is 6,04
